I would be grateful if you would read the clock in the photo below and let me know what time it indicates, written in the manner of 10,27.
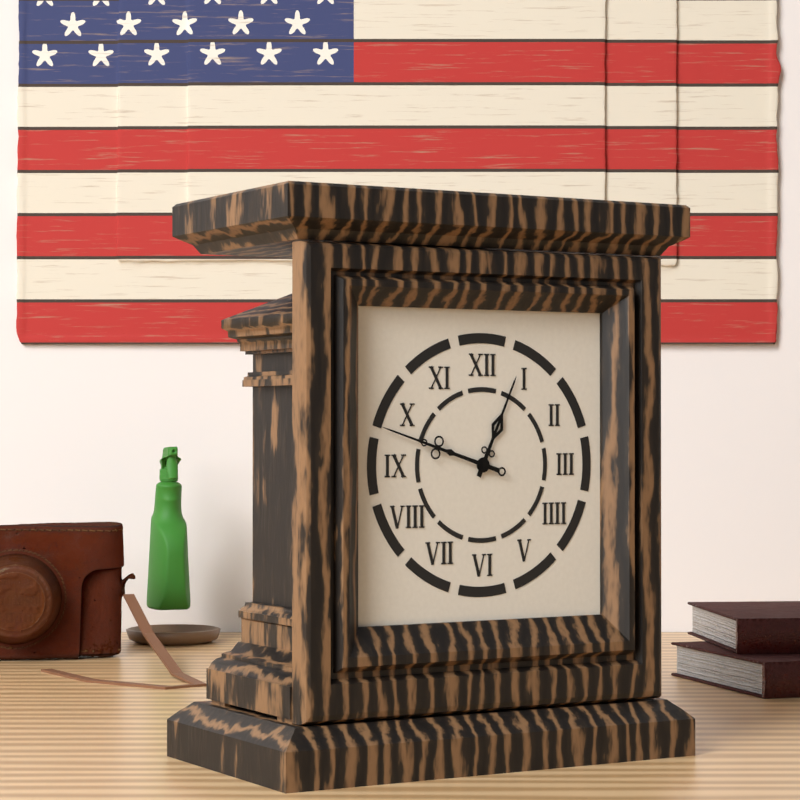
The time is 12,48
